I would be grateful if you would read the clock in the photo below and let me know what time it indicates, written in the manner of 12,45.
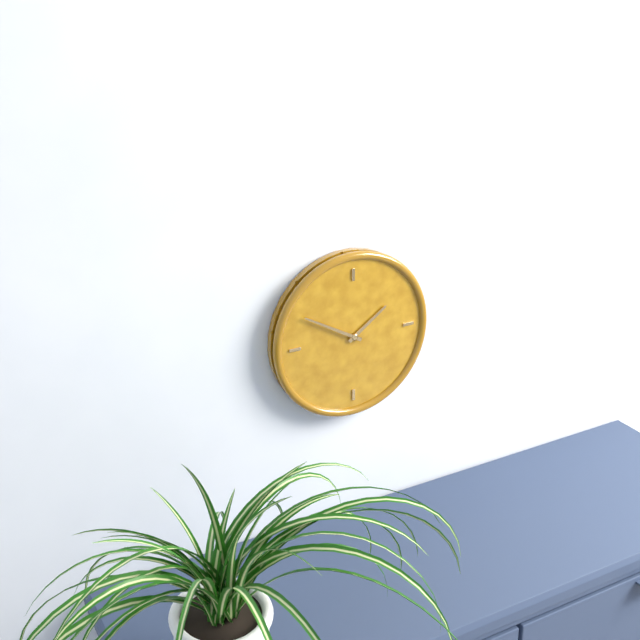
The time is 1,50
